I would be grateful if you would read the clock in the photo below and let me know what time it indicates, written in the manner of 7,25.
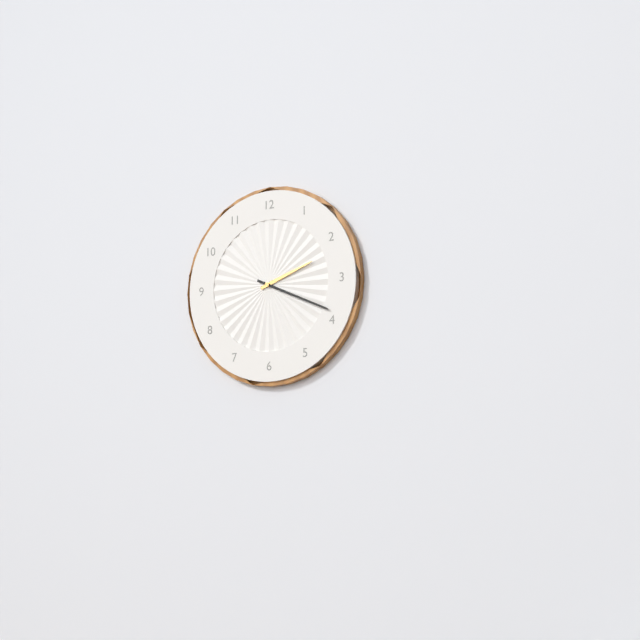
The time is 2,19
